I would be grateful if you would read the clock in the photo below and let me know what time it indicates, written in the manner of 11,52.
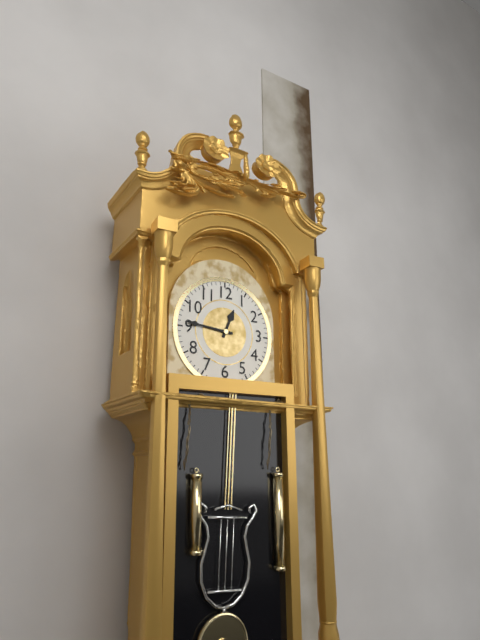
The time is 12,46
